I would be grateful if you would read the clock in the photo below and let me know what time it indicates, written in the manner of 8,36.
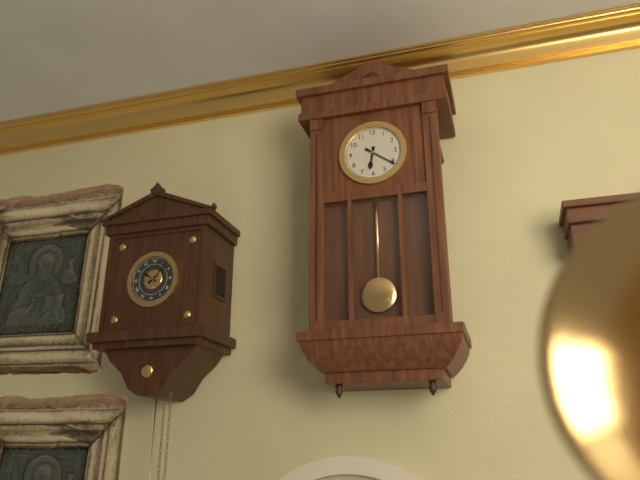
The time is 6,21
